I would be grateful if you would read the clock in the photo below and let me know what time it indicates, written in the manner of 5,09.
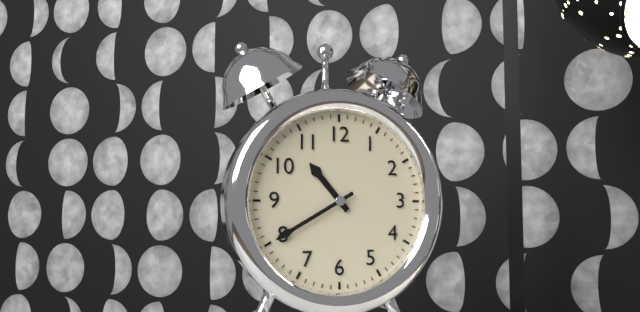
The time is 10,40
